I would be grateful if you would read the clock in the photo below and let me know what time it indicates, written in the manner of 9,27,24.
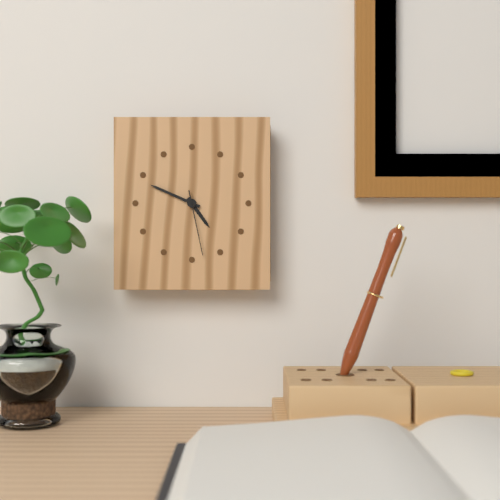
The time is 4,49,28
